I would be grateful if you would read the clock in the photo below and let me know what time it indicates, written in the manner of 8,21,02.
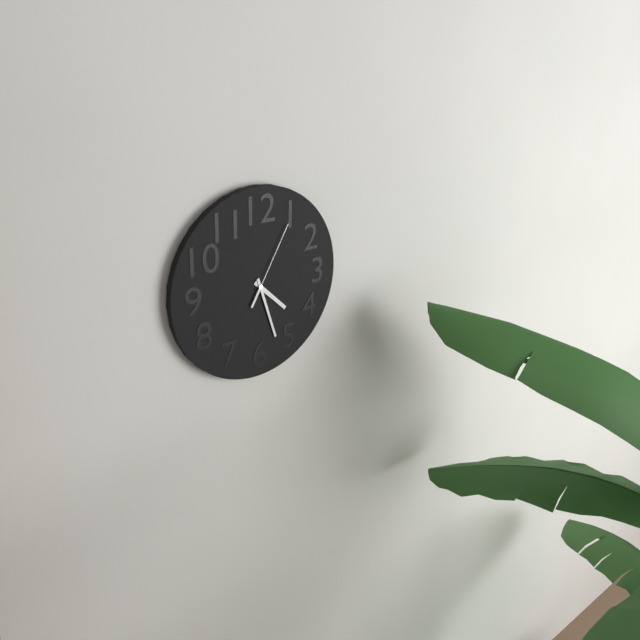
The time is 4,27,05
